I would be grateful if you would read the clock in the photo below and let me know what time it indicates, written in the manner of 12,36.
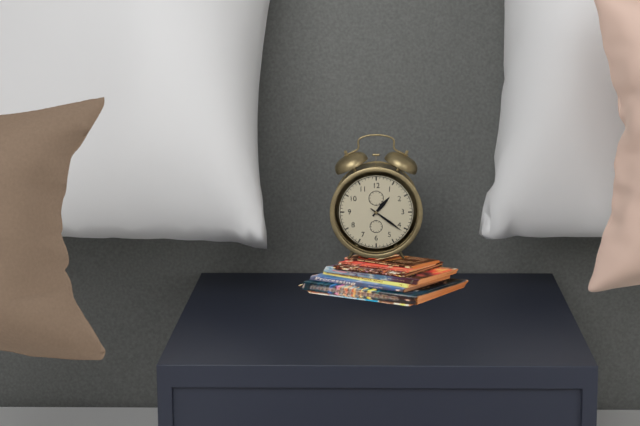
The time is 1,21
